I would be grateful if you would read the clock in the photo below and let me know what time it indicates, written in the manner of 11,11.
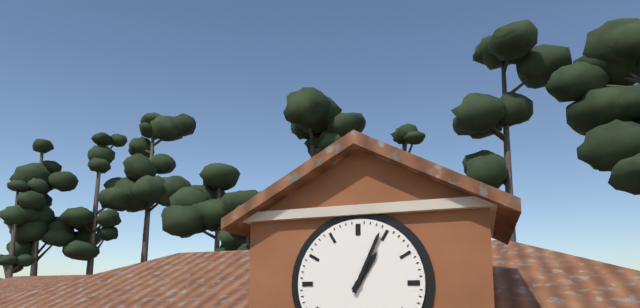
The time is 1,04
